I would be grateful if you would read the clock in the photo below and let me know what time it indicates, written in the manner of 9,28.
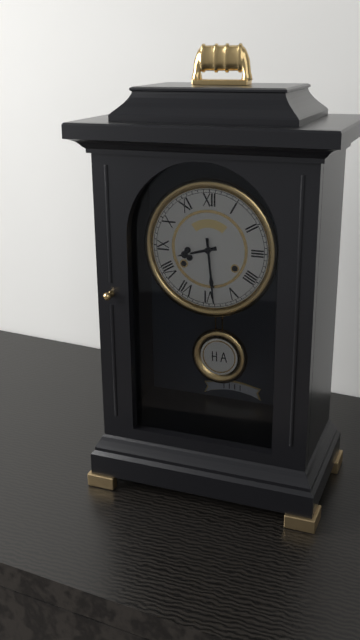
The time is 8,29
